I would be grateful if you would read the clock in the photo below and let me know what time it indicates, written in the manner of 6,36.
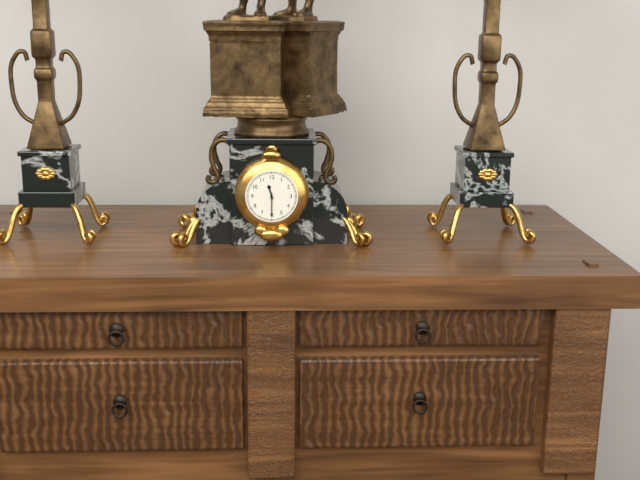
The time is 11,30
